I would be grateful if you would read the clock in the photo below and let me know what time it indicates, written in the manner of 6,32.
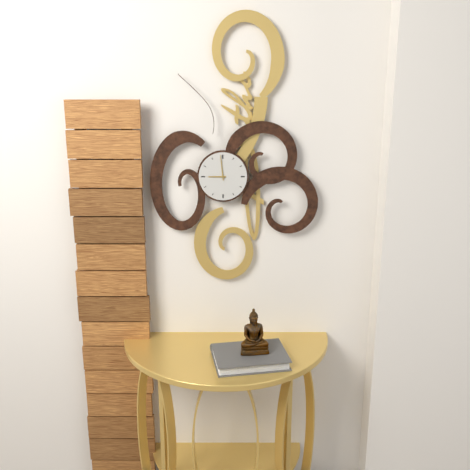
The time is 8,59
